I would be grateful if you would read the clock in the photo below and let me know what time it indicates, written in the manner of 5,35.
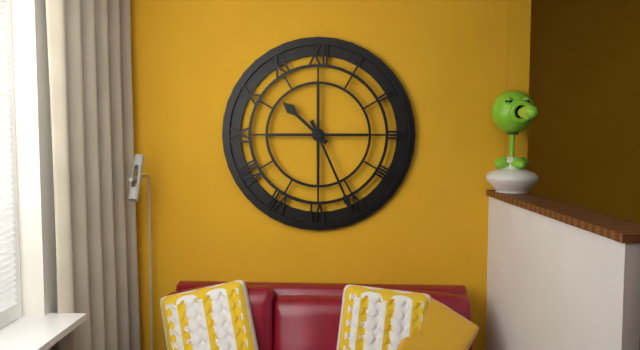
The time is 10,26
